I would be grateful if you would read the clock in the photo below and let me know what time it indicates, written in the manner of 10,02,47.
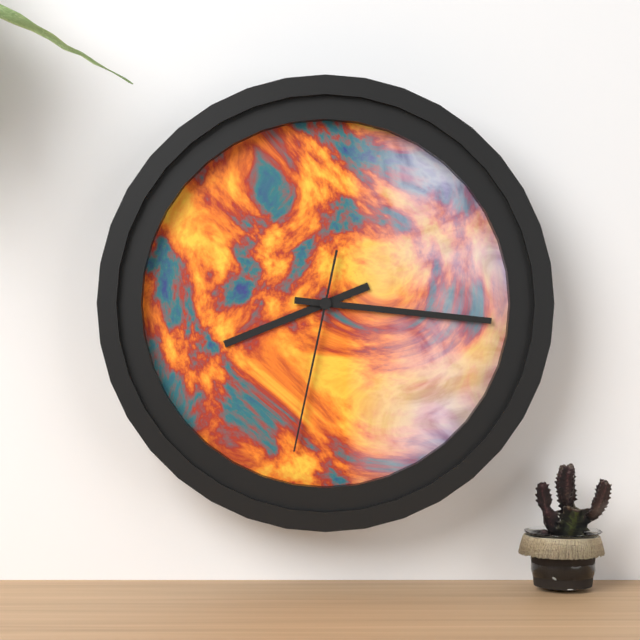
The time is 8,16,32
